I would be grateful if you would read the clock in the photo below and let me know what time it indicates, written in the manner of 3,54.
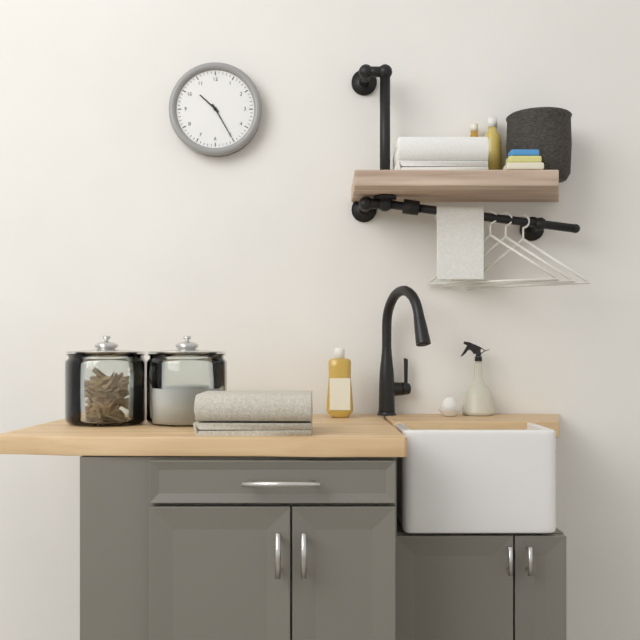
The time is 10,25
